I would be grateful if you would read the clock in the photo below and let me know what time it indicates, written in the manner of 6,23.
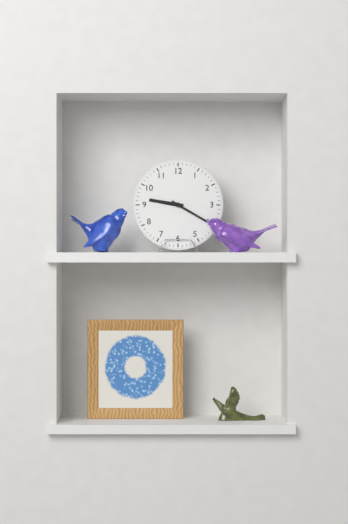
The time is 9,20
